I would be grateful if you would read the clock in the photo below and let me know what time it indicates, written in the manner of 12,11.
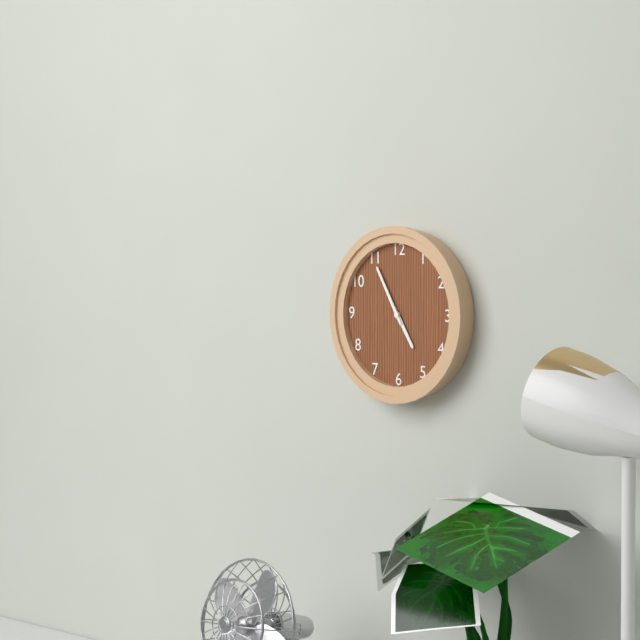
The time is 4,55
